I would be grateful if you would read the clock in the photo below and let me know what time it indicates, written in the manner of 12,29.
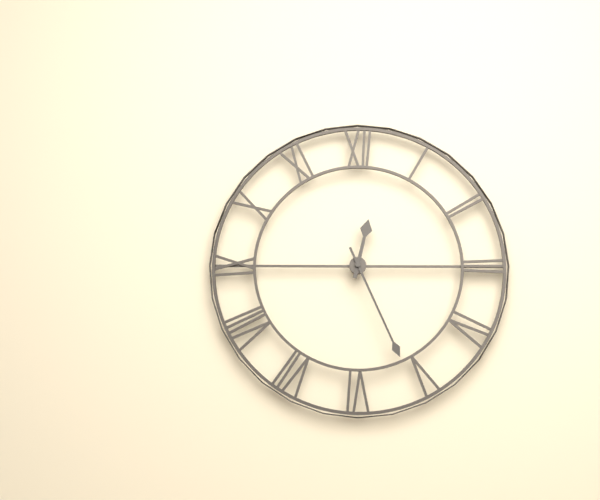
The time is 12,26
